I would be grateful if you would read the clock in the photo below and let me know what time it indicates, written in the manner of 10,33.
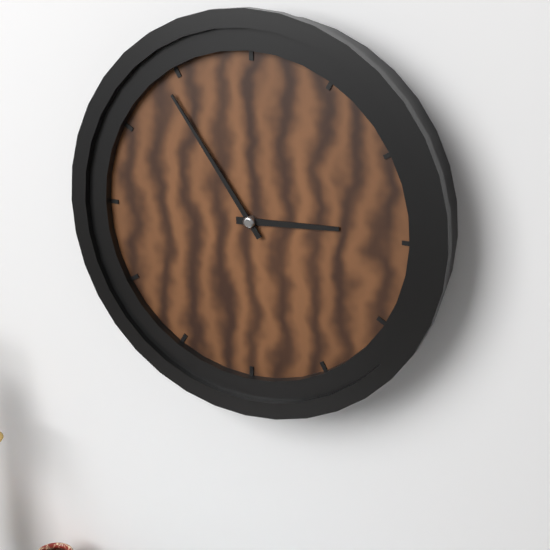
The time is 2,54
